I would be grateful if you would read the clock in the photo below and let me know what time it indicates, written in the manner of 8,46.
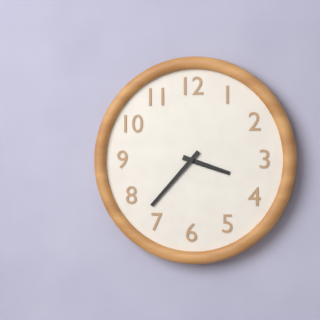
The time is 3,37
